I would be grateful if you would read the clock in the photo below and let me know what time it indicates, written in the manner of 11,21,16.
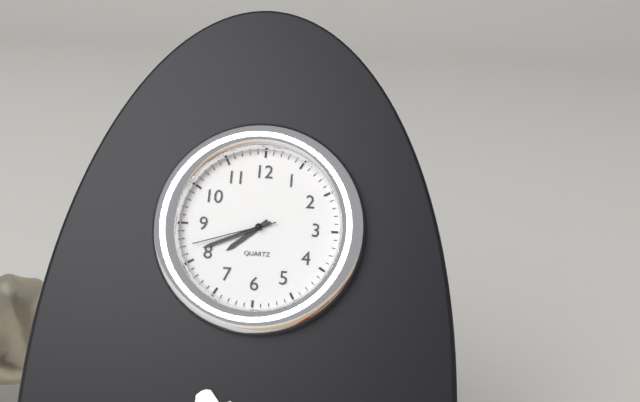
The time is 7,41,42
